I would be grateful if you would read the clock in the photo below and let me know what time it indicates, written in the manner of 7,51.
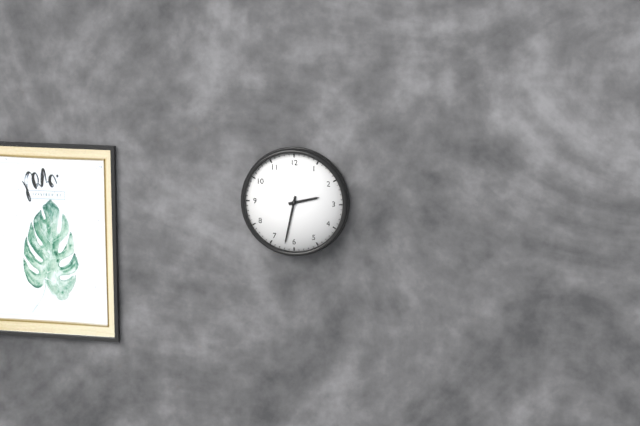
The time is 2,32
